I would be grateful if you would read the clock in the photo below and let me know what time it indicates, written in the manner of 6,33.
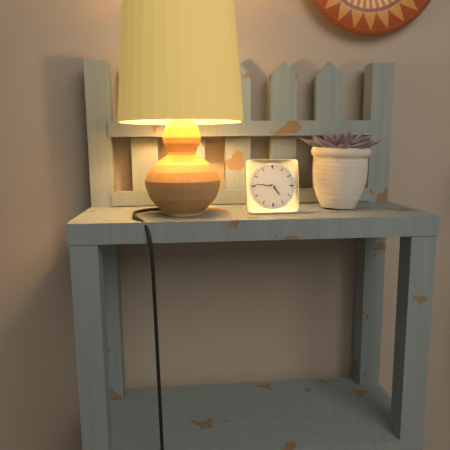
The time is 4,46
